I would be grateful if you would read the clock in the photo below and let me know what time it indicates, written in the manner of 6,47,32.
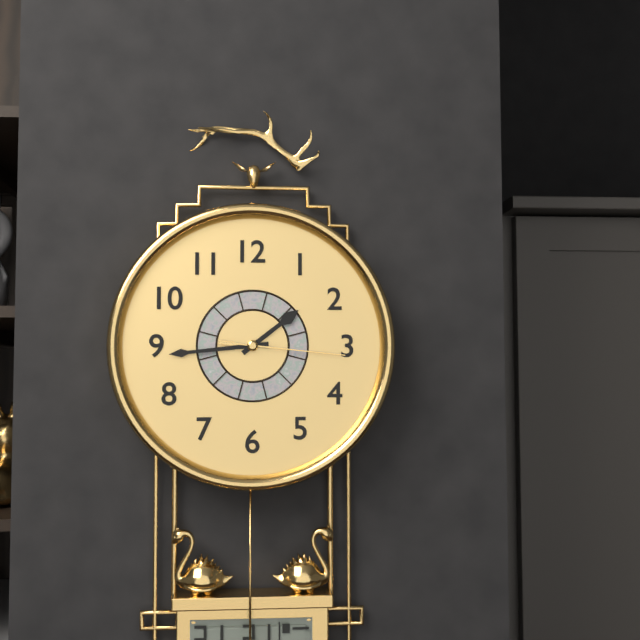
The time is 1,44,16
